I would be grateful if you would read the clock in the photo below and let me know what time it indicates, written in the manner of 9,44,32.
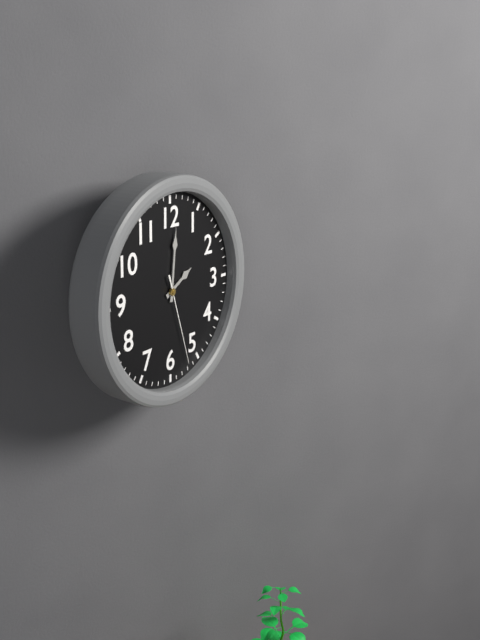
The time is 2,01,27
